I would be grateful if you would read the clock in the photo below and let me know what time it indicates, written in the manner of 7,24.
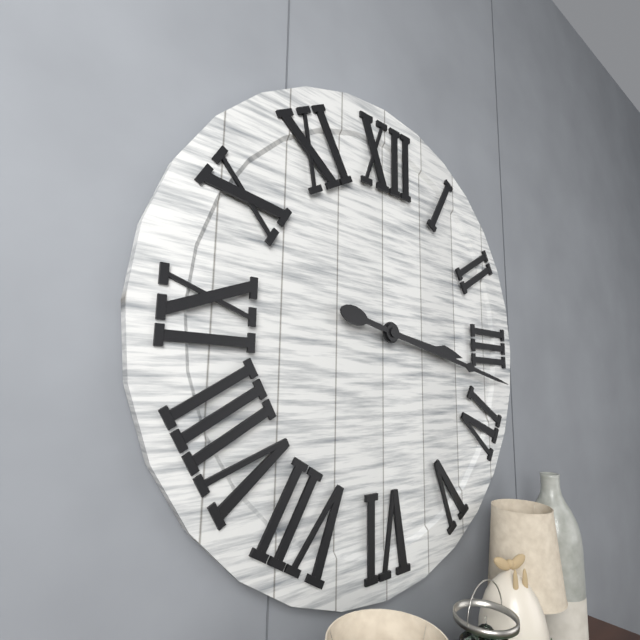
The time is 3,17
